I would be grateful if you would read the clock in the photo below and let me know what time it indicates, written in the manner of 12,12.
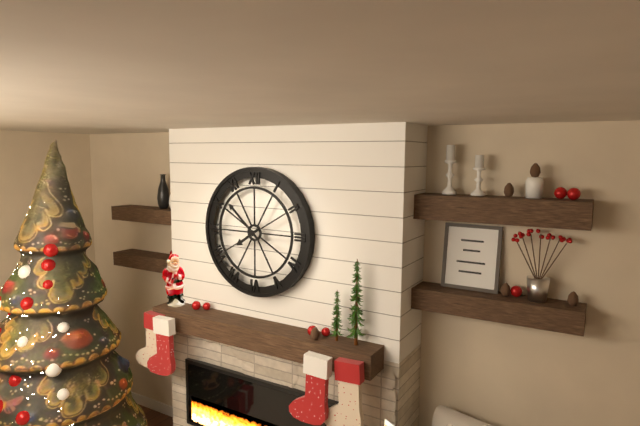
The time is 7,52
